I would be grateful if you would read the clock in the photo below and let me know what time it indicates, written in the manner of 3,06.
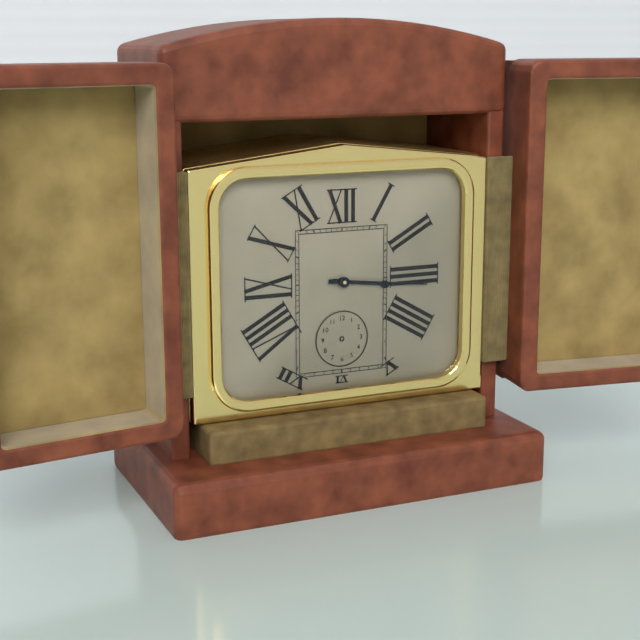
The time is 3,16
